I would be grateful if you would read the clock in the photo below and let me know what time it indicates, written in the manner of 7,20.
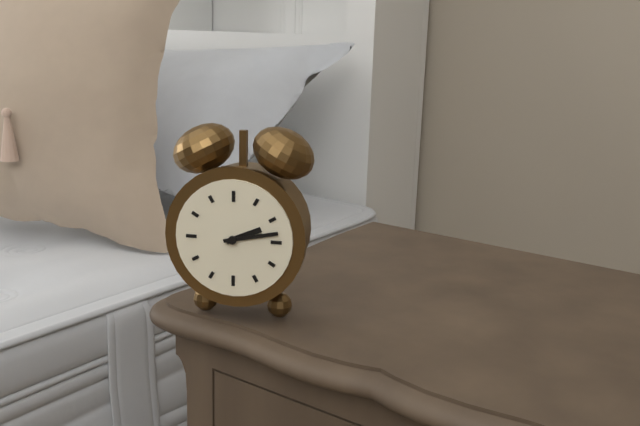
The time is 2,13
